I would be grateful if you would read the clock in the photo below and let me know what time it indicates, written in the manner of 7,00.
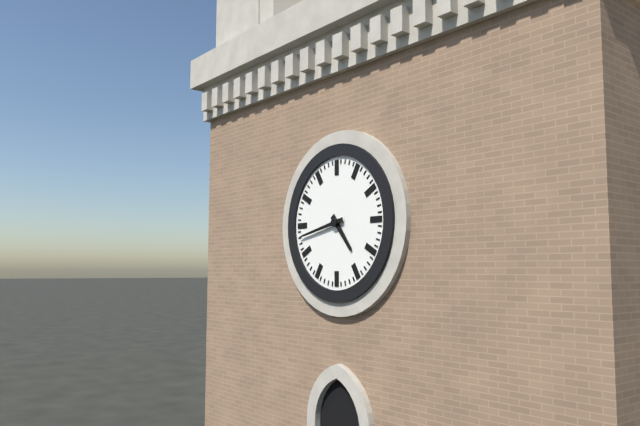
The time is 4,43
